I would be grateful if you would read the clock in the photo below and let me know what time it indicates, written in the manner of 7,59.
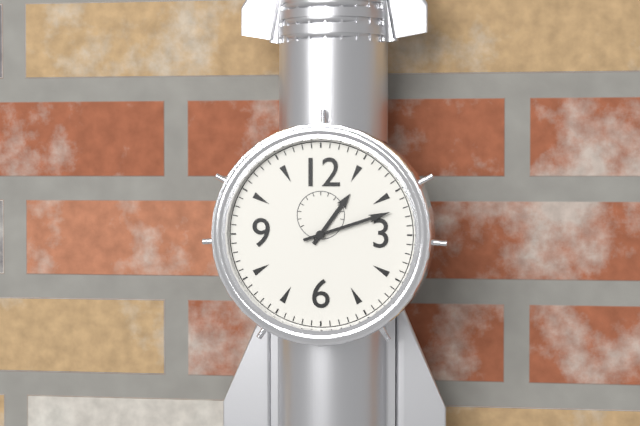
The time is 1,12
